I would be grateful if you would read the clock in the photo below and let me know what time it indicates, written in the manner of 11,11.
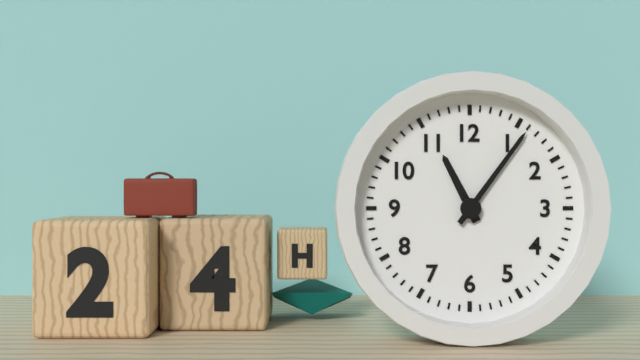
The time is 11,06
